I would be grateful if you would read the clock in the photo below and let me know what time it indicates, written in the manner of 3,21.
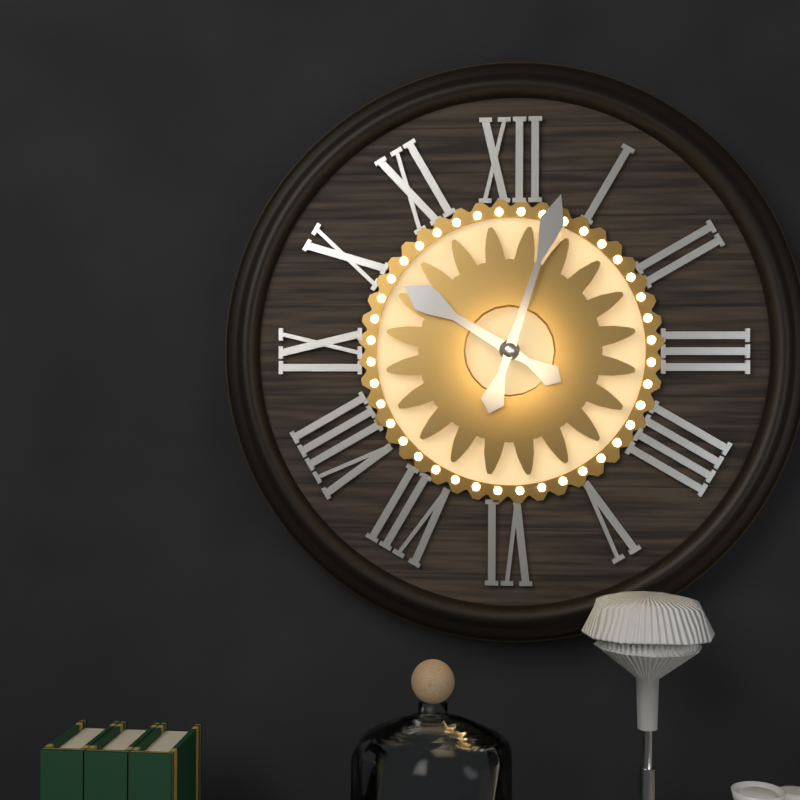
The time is 10,03
